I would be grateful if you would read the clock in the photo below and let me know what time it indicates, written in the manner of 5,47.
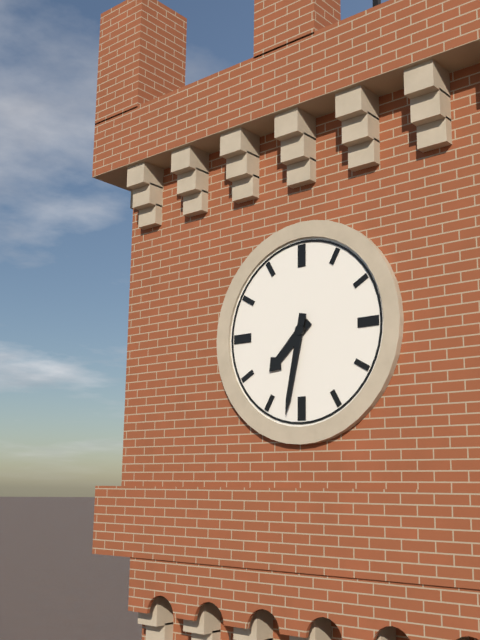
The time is 7,32
